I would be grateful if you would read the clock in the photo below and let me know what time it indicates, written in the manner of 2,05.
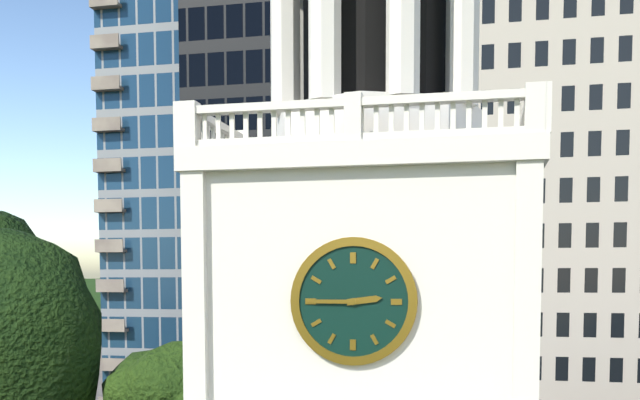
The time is 2,45
